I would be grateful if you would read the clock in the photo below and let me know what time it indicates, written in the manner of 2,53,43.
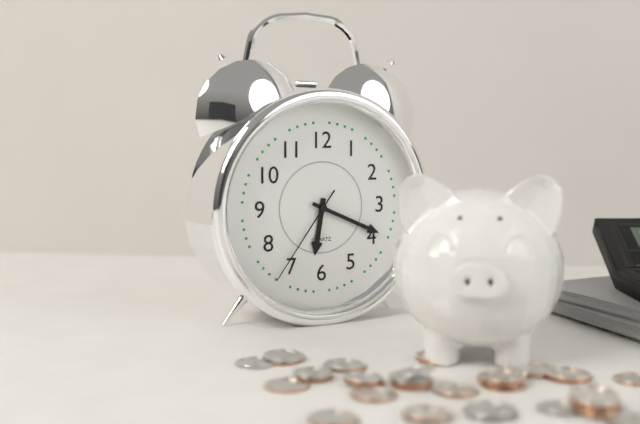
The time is 6,19,36
